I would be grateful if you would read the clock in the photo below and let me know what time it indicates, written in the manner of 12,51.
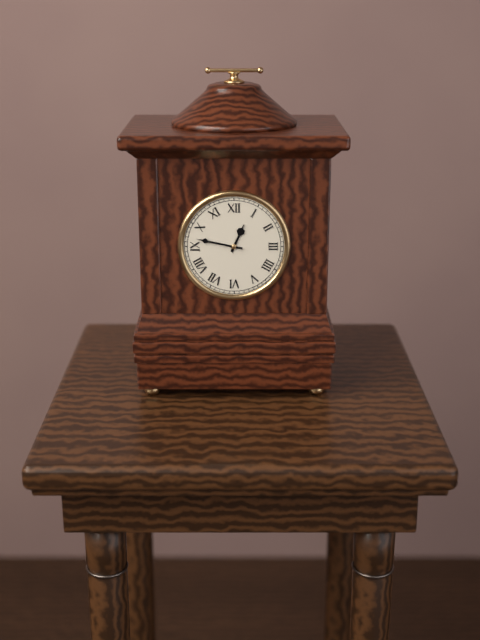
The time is 12,47
